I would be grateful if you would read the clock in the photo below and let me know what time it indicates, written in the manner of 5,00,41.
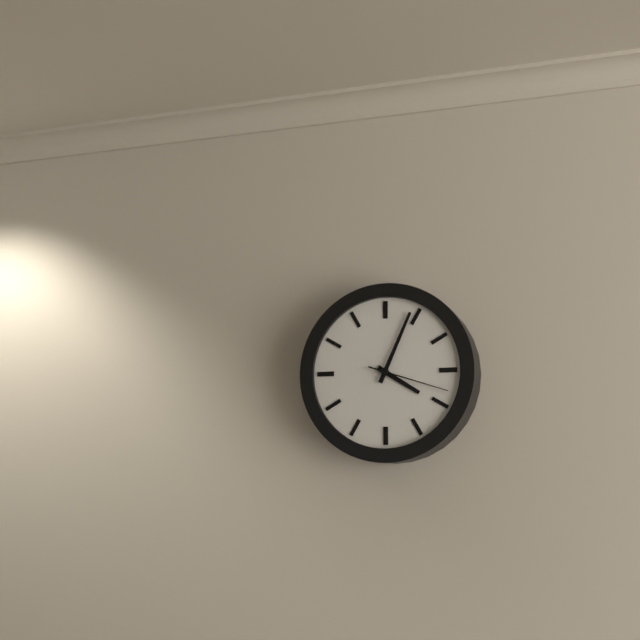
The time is 4,04,18
